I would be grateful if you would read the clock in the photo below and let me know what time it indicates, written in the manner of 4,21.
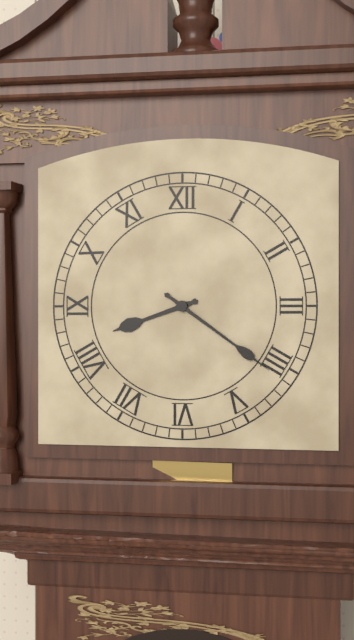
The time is 8,21
